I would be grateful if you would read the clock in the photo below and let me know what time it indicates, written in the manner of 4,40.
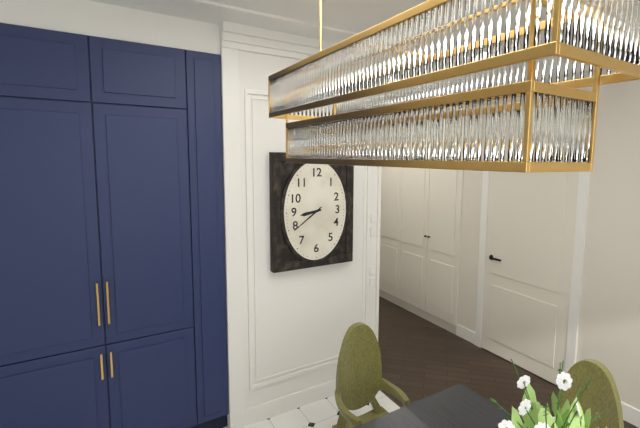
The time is 8,39
